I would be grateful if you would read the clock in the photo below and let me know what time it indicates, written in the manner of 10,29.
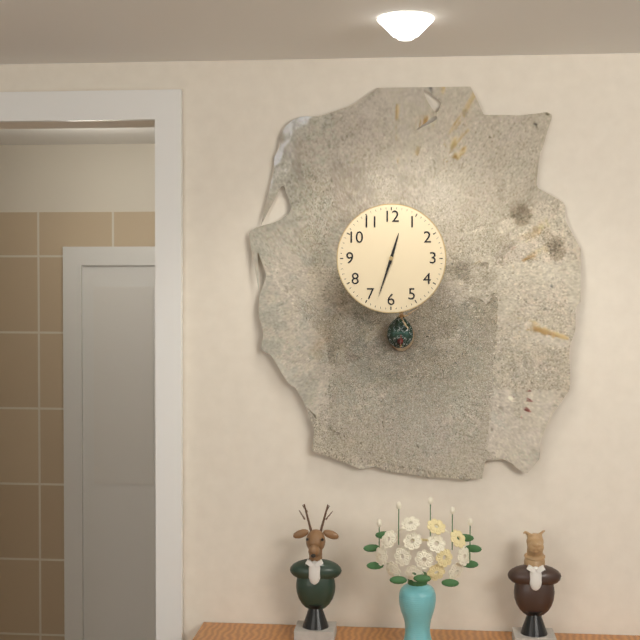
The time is 12,33
